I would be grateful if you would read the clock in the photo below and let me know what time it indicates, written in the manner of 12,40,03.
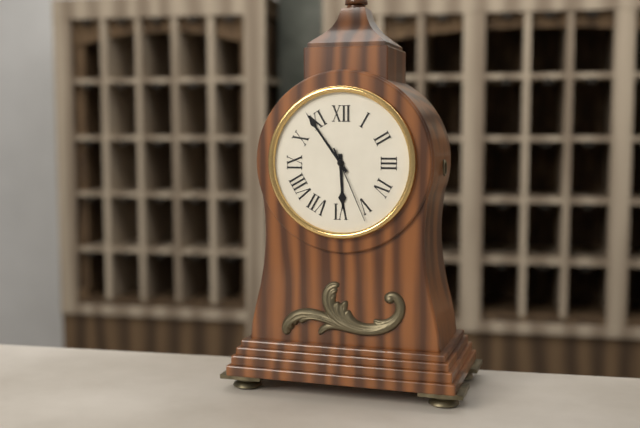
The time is 5,54,26
